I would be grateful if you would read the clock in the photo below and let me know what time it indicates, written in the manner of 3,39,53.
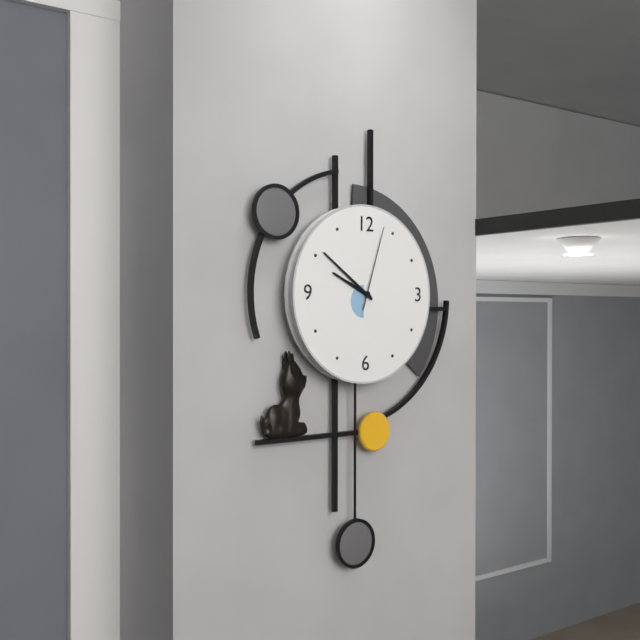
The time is 9,51,03
